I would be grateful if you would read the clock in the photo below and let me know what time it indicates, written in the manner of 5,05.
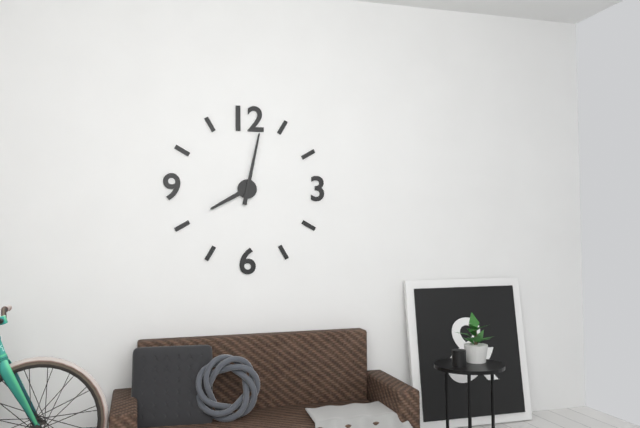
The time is 8,02
